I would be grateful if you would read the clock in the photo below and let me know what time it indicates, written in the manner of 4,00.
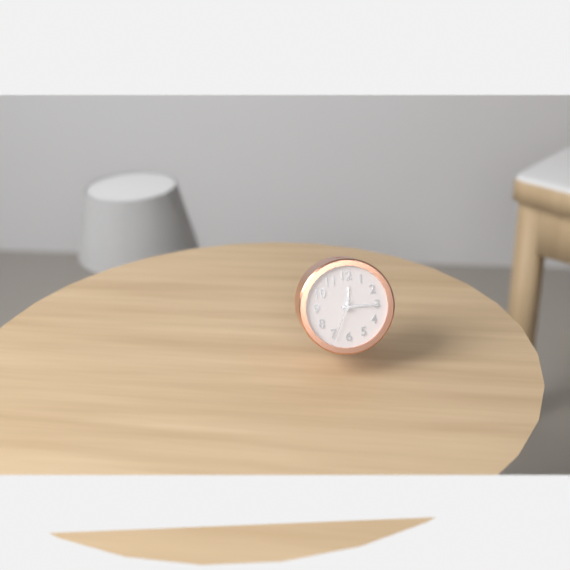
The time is 12,15
